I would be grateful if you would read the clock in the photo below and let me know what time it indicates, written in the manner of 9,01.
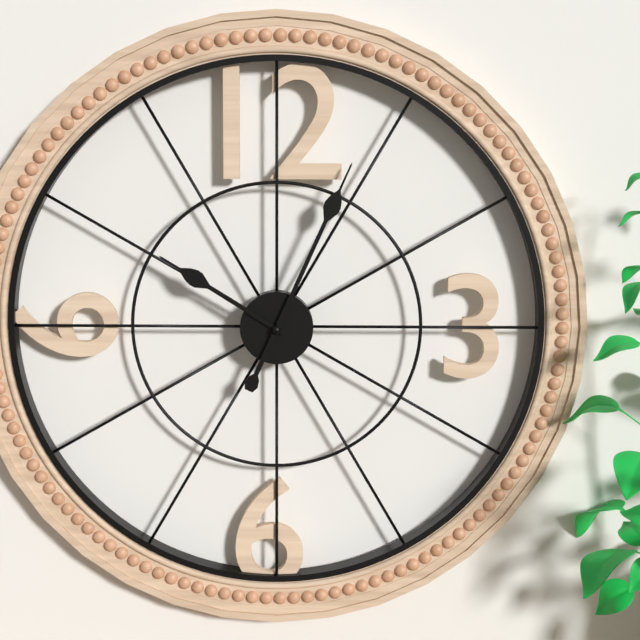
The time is 10,04
